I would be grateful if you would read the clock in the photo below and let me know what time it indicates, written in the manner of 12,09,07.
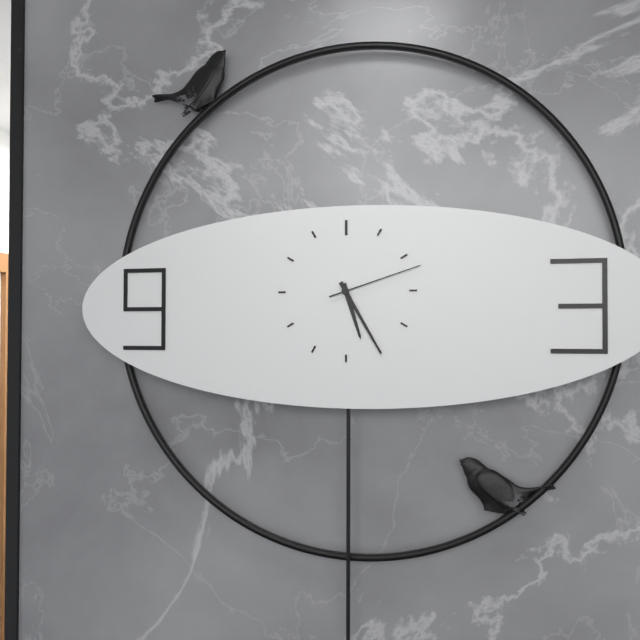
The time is 5,25,12
